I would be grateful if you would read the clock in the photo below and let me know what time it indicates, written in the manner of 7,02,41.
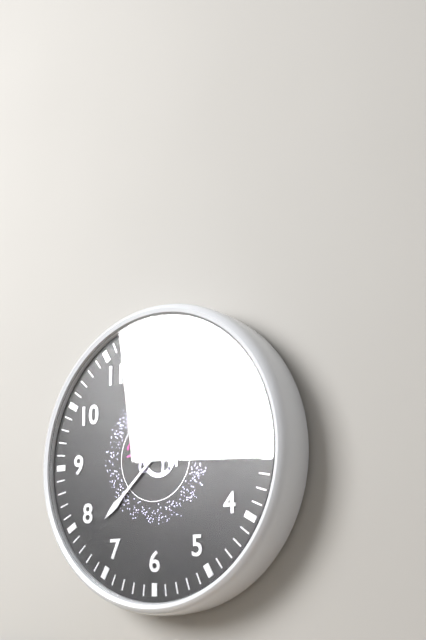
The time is 1,38,13
